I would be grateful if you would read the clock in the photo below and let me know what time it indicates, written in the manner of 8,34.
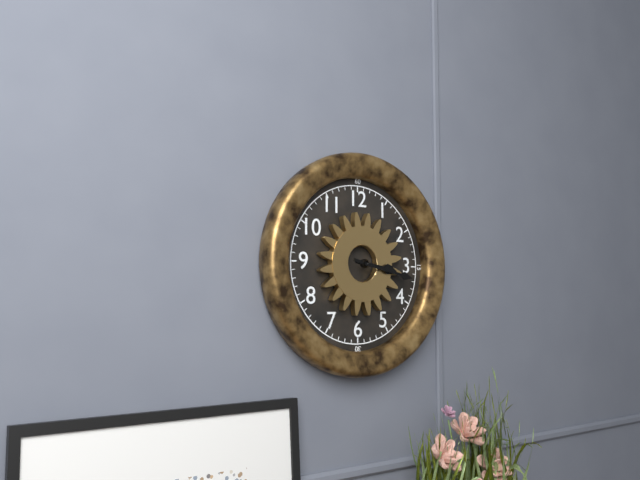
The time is 3,17
